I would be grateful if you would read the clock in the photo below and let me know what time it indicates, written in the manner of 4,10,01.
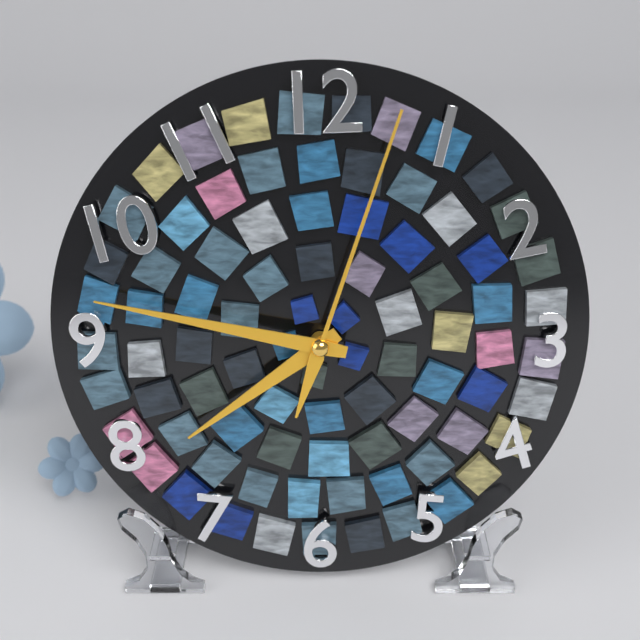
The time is 7,47,03
